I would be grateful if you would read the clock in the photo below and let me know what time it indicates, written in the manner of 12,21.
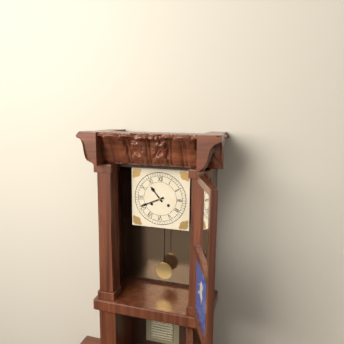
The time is 10,41
